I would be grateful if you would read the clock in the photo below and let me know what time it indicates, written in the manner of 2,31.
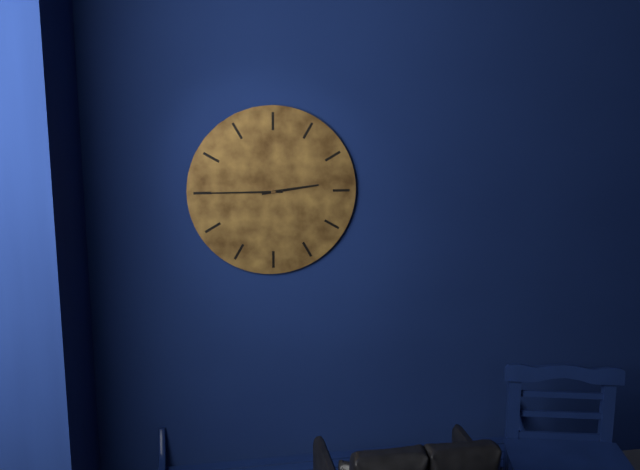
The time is 2,45
